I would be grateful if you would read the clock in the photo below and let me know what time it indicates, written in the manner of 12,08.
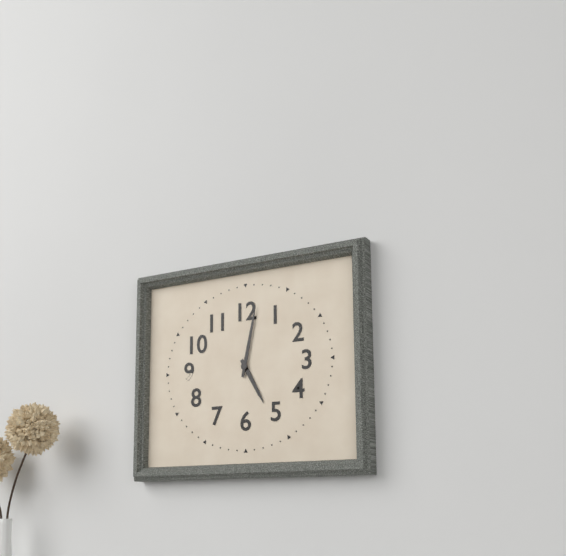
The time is 5,02
